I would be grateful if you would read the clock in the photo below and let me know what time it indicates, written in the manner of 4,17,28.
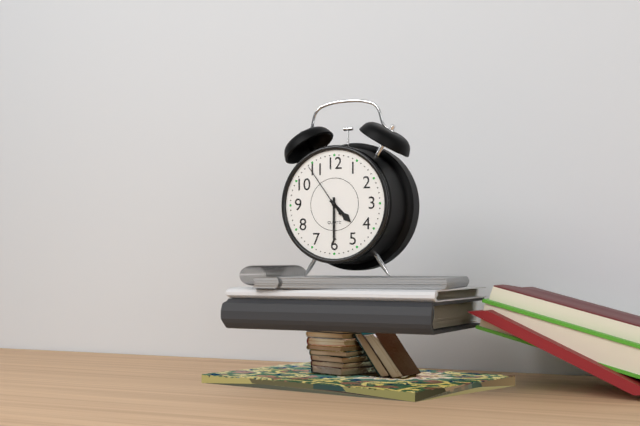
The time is 4,30,54
